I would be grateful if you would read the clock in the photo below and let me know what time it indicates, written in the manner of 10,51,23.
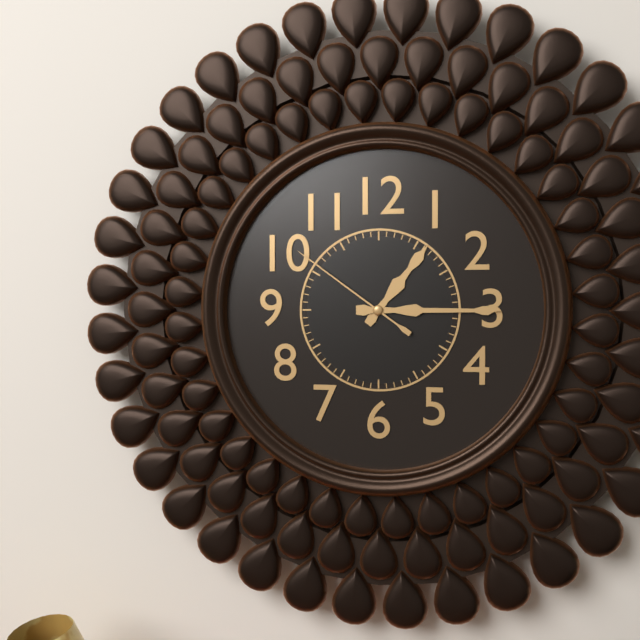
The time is 1,15,51
